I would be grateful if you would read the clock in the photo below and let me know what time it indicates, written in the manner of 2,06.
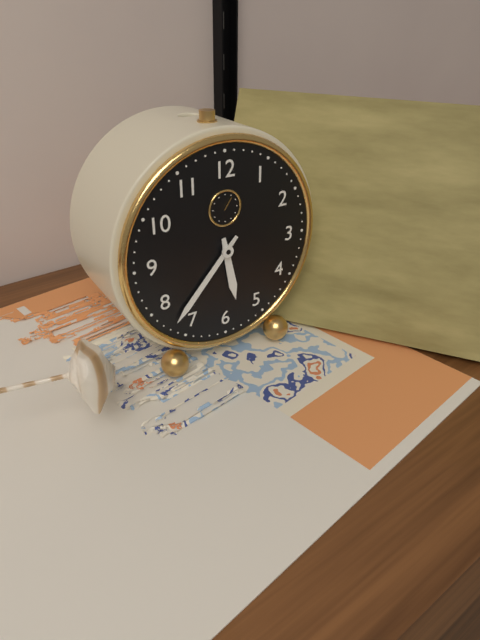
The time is 5,37
